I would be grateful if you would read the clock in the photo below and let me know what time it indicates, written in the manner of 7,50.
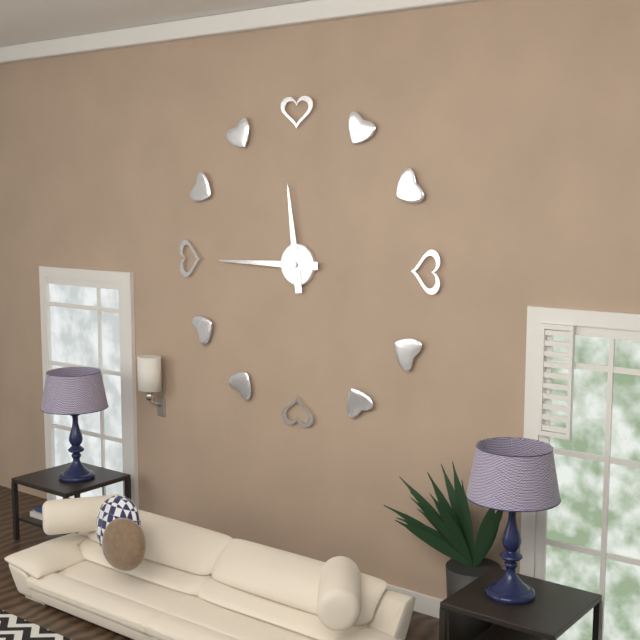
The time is 11,45
